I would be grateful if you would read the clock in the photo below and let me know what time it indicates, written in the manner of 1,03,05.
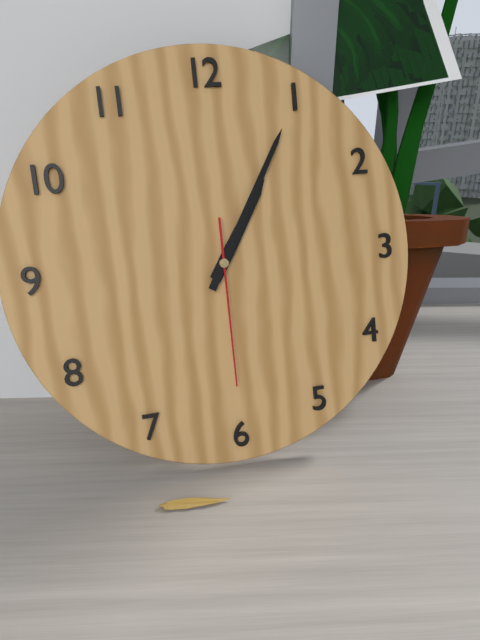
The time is 1,05,30
